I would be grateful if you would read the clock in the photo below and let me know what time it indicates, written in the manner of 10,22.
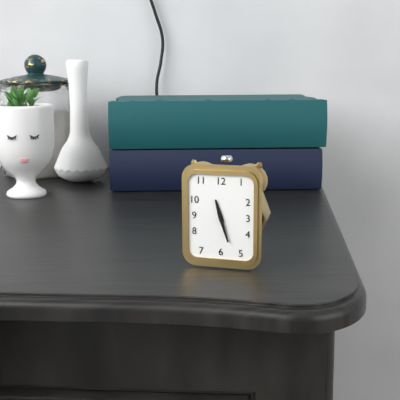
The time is 11,27
